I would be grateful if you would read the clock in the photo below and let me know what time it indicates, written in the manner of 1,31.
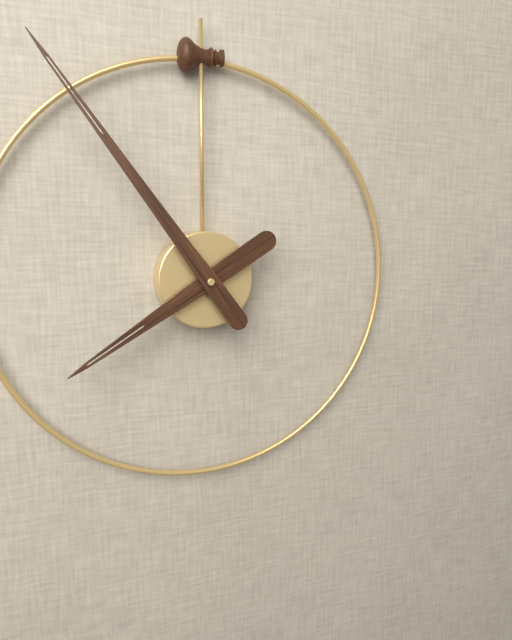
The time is 7,54
